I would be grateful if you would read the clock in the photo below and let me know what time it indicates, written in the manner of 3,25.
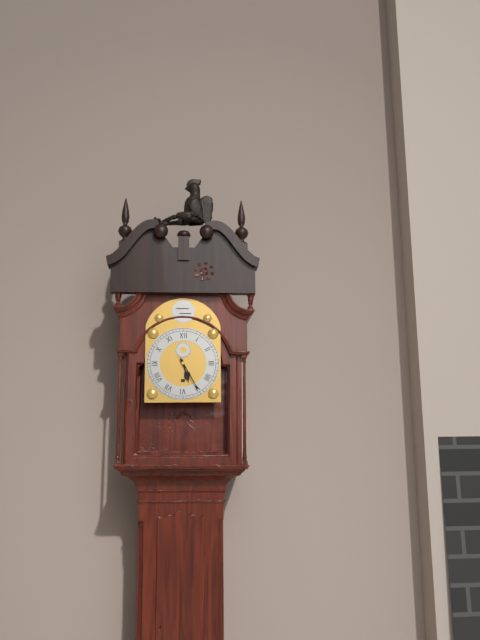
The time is 5,25
